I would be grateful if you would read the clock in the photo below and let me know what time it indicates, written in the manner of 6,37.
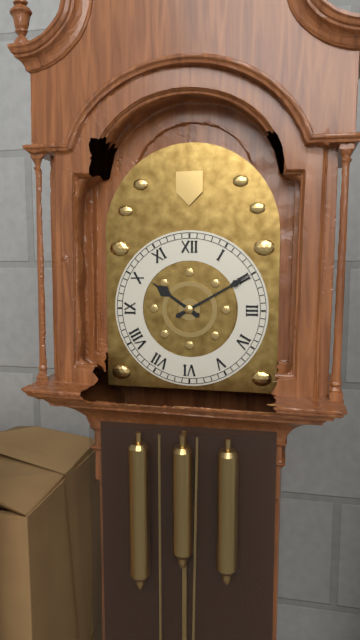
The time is 10,10
